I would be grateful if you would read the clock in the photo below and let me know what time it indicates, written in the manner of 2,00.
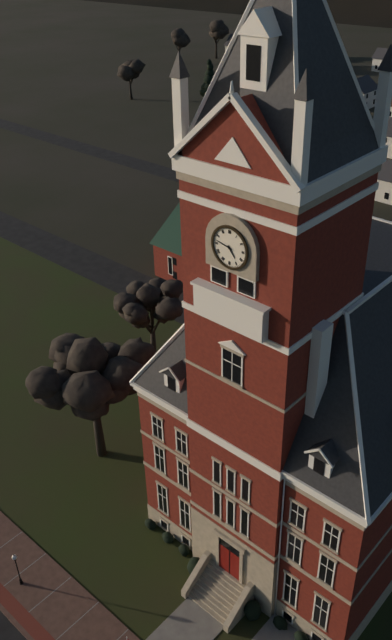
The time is 4,47
